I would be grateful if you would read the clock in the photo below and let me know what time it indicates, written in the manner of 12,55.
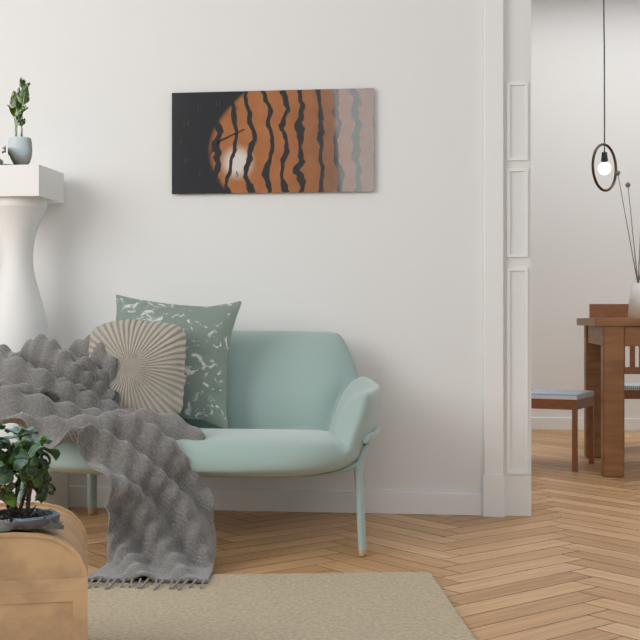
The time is 7,11
